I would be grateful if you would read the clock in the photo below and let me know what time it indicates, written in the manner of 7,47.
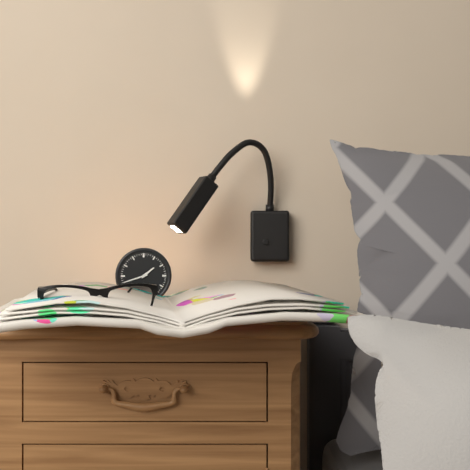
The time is 1,42
